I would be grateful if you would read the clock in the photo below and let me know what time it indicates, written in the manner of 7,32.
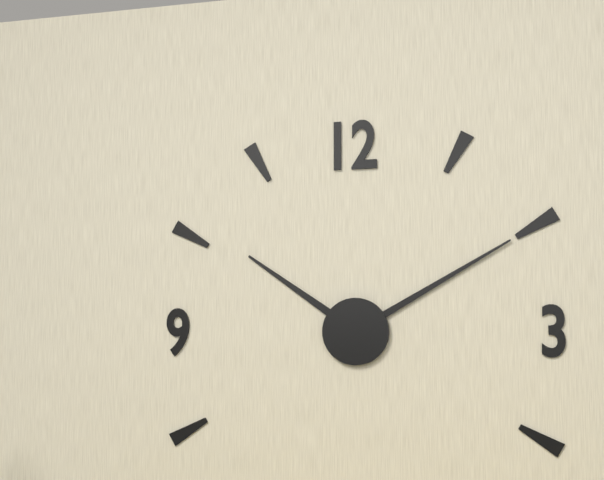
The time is 10,10
